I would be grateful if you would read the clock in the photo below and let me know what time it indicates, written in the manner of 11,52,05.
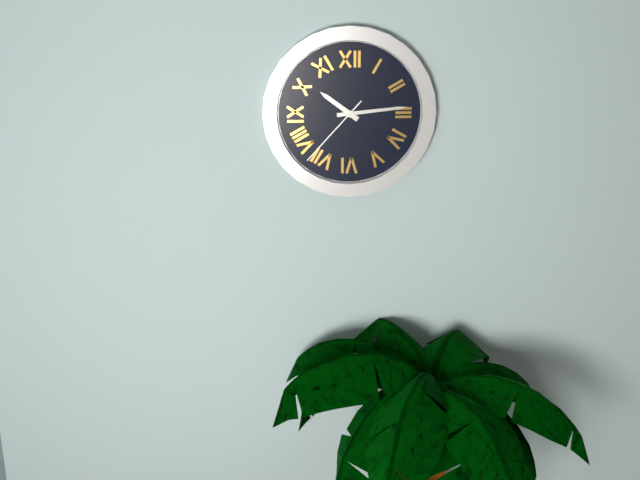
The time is 10,14,37
